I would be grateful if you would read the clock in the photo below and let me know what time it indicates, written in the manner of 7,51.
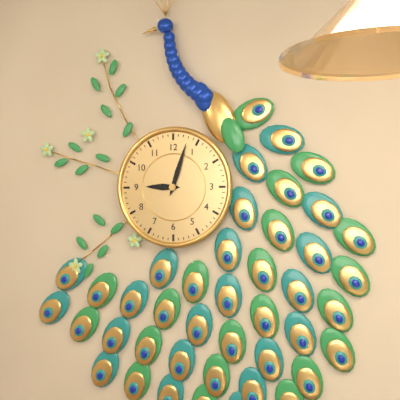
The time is 9,03
